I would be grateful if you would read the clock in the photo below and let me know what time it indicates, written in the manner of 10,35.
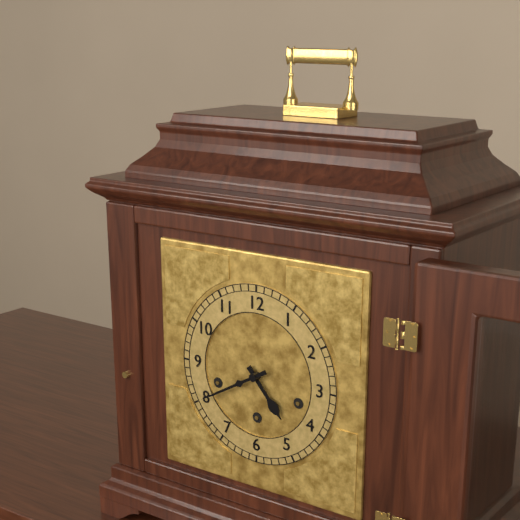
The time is 4,40
